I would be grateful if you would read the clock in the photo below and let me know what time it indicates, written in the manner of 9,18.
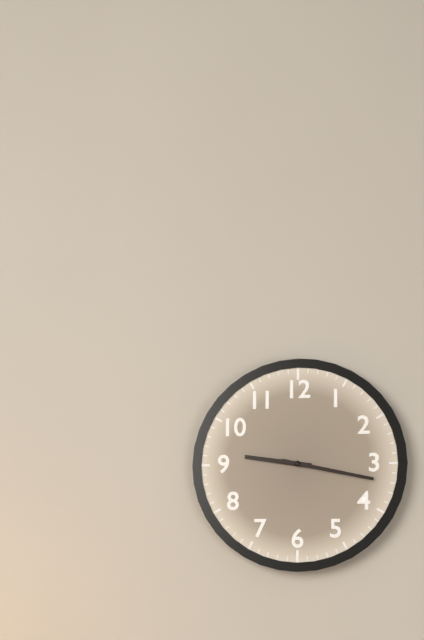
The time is 9,17
